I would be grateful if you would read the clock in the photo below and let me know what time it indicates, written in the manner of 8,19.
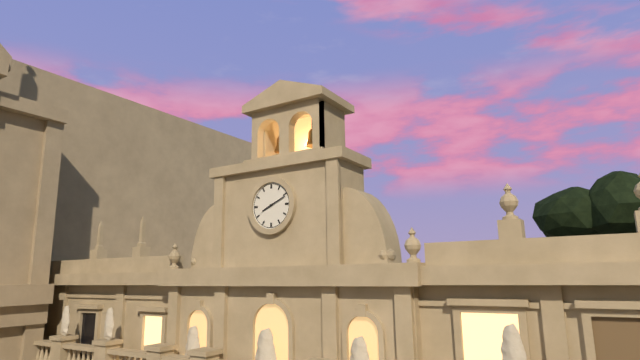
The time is 8,11
